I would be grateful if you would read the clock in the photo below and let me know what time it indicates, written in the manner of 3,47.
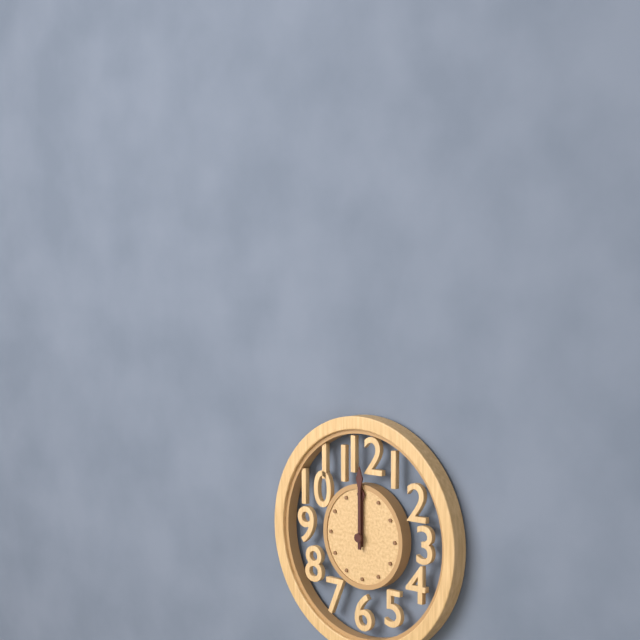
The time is 12,00
